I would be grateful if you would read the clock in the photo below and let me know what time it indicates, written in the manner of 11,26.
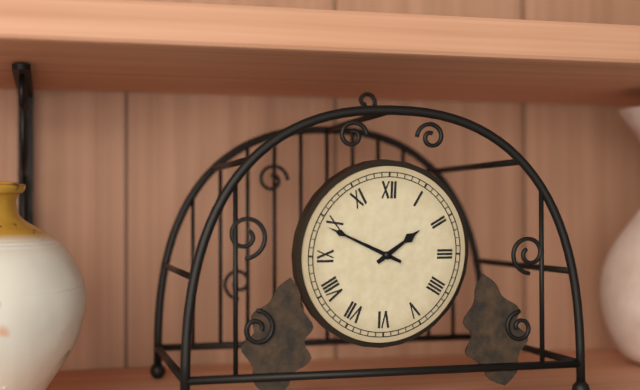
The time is 1,49
